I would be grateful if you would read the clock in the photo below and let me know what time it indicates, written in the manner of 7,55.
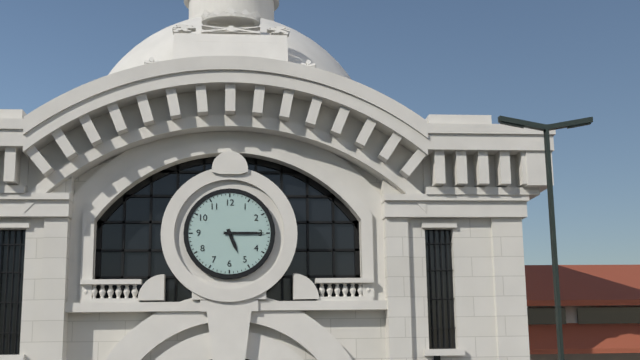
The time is 5,15
